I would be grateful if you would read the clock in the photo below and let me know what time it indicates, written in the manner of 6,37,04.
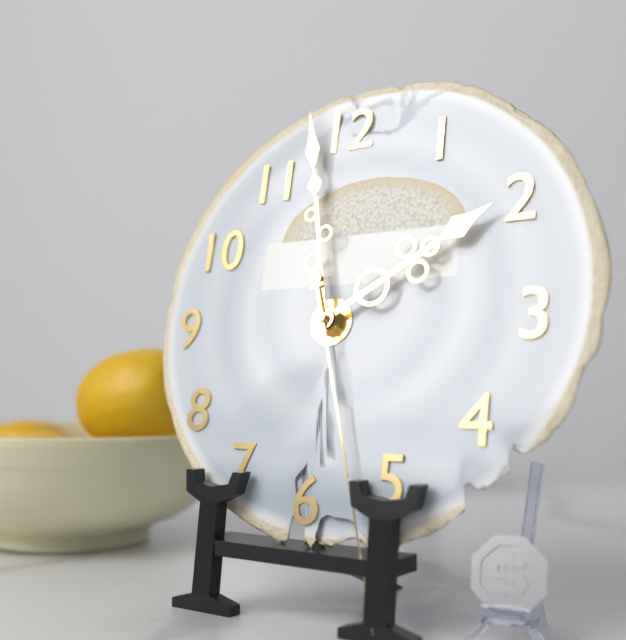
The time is 1,58,27
